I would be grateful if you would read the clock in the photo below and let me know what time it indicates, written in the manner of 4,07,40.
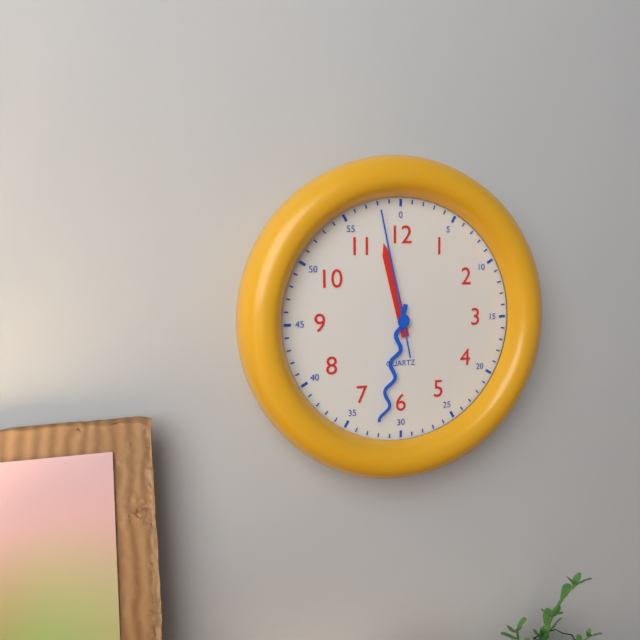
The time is 11,32,58
